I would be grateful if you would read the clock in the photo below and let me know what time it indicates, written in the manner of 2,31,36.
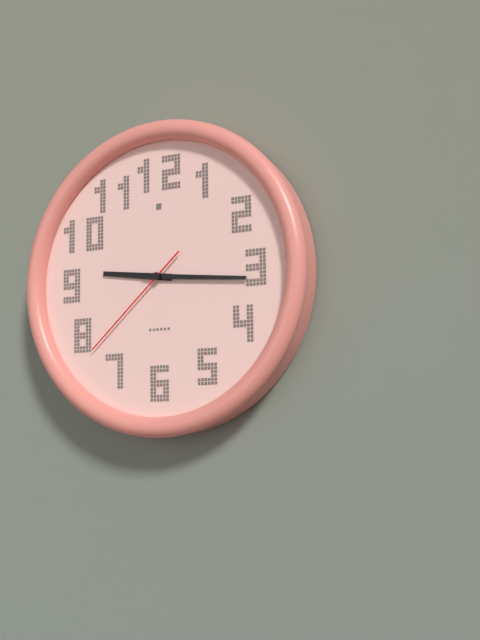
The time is 9,16,38
